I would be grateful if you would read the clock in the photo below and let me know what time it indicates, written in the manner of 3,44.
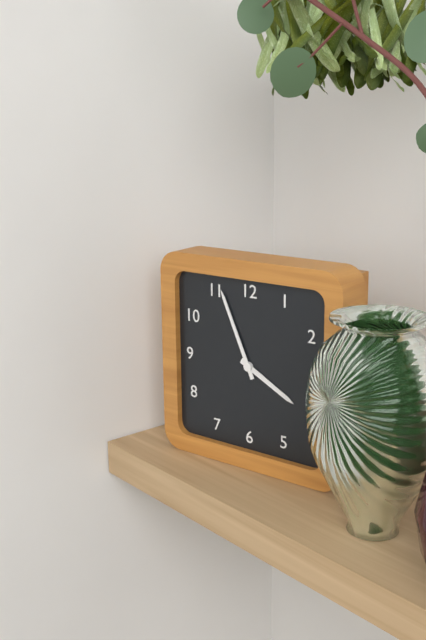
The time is 3,56
